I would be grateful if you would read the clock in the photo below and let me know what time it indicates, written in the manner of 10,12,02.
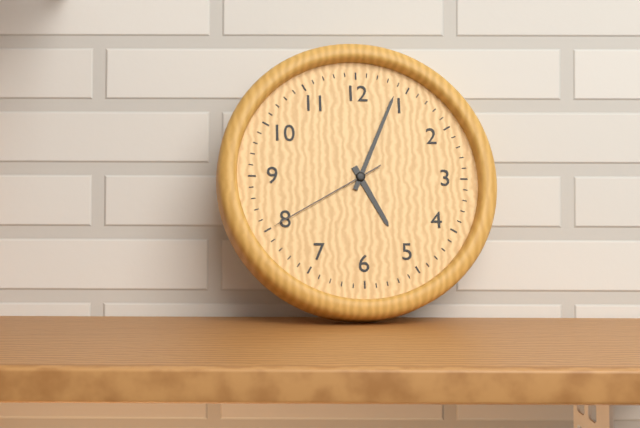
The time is 5,04,40
